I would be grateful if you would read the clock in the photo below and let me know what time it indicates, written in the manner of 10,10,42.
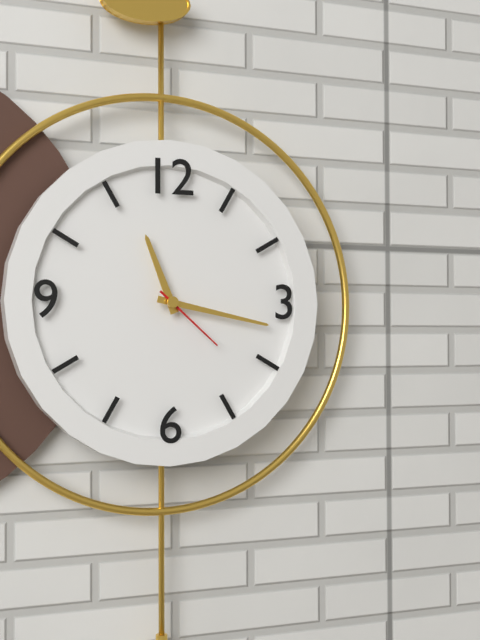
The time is 11,17,22
